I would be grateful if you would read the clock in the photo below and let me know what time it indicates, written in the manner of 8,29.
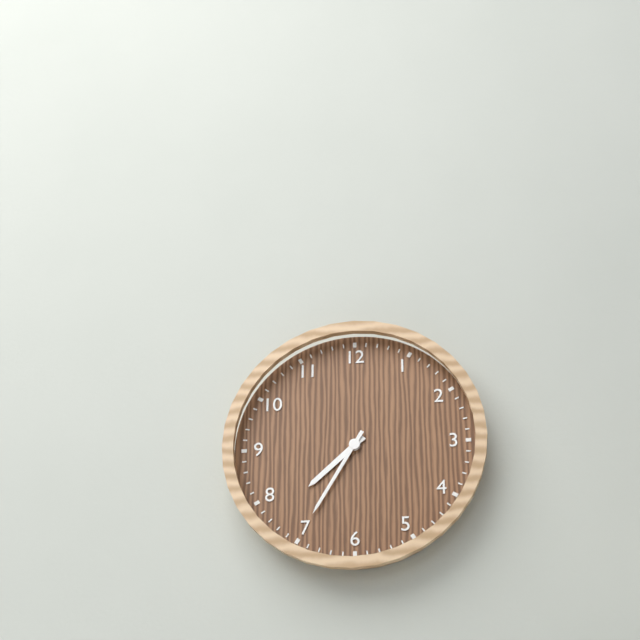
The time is 7,35
